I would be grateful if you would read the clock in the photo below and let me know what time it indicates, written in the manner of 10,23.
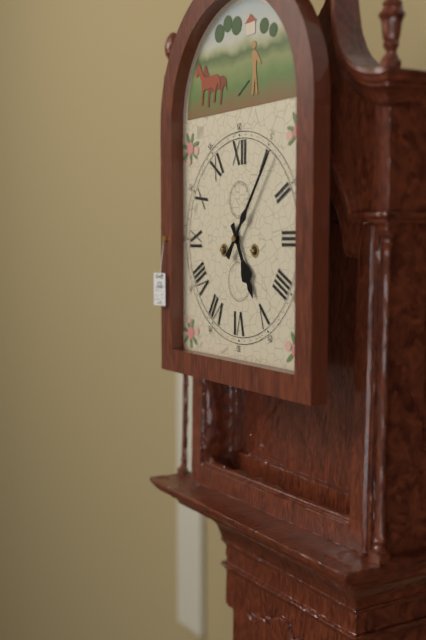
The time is 5,06
